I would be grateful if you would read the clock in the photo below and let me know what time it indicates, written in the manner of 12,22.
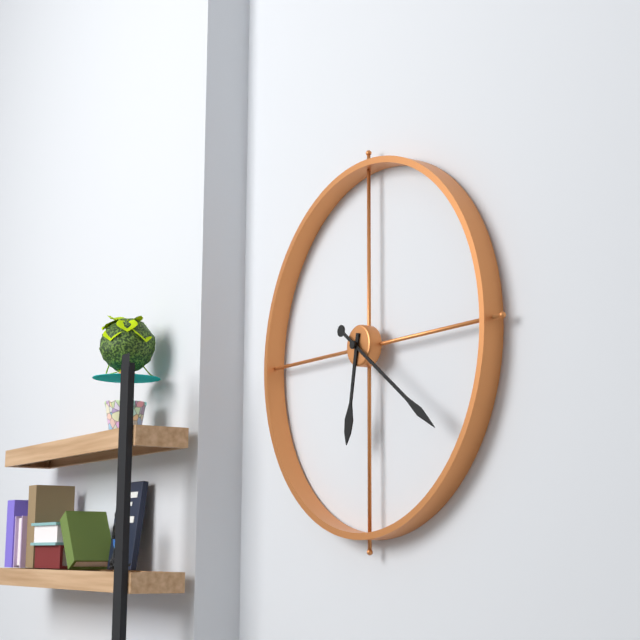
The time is 6,21
